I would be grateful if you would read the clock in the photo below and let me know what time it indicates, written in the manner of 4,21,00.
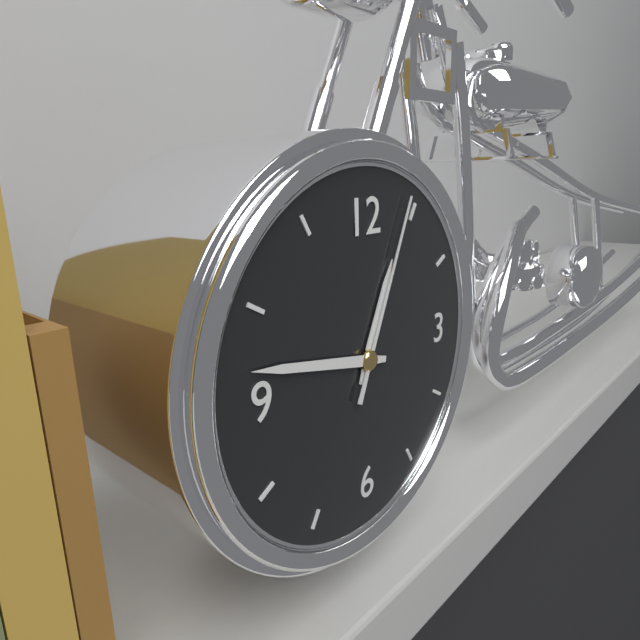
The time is 12,47,04
